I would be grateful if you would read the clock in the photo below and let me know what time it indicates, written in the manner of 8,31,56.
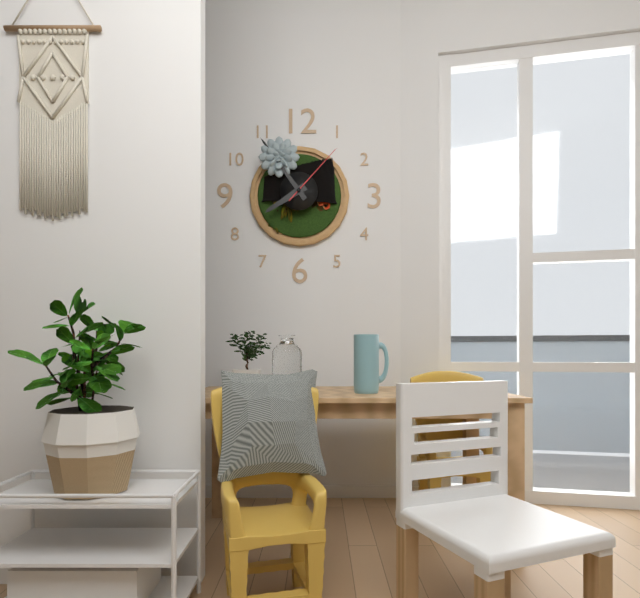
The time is 7,54,07
